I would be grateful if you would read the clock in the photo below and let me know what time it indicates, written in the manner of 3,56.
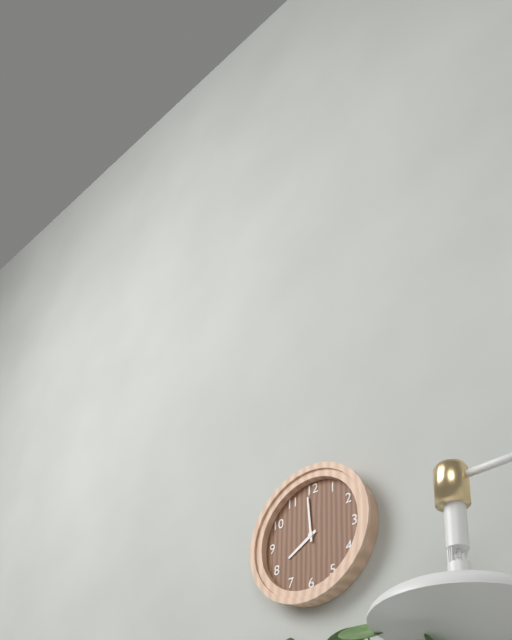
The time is 7,59
